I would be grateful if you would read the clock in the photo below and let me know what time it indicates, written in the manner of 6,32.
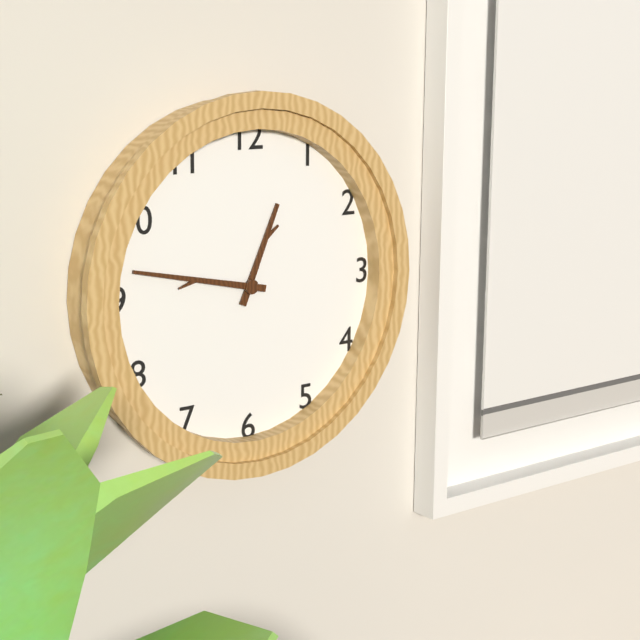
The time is 12,47
